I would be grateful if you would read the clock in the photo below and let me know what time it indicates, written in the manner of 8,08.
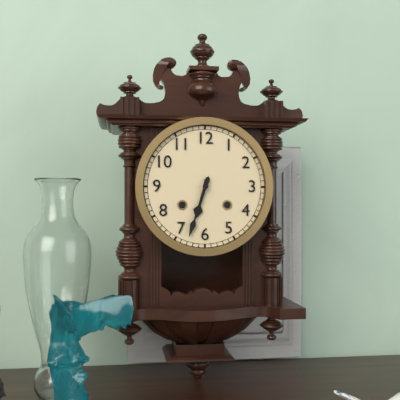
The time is 6,33
